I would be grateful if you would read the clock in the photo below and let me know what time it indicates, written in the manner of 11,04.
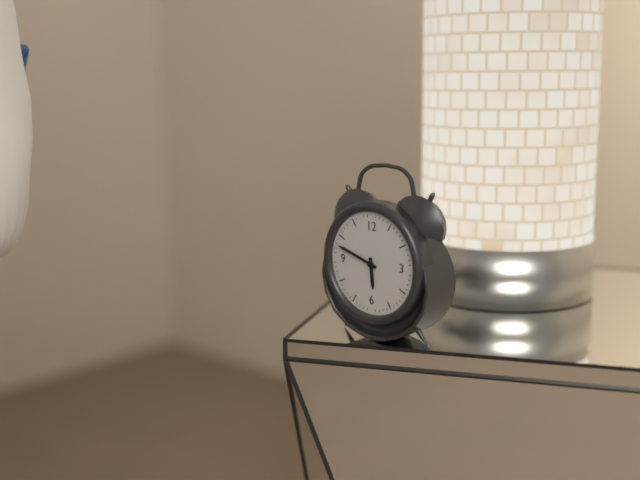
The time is 5,48
